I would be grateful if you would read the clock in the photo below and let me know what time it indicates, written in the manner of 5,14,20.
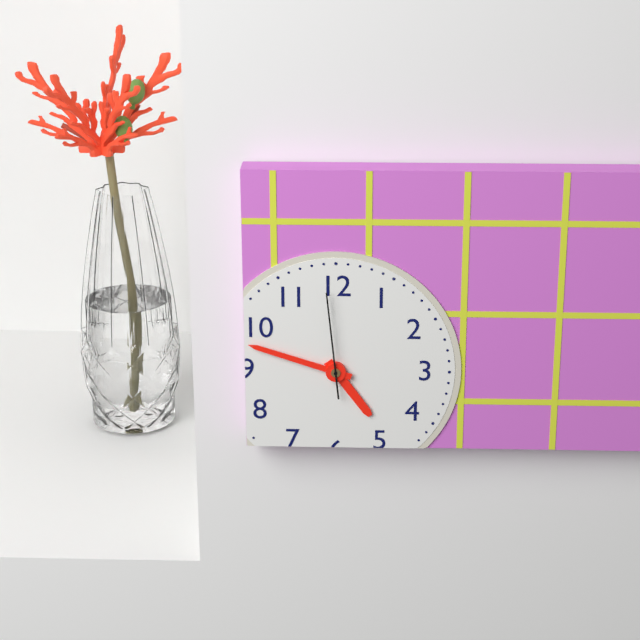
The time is 4,48,59
